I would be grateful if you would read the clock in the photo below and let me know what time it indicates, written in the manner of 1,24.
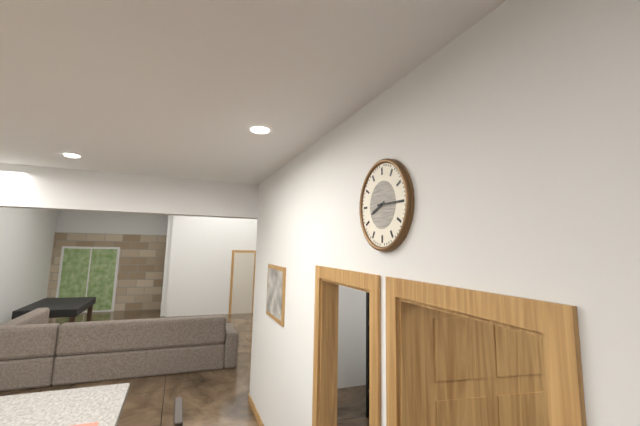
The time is 8,15
